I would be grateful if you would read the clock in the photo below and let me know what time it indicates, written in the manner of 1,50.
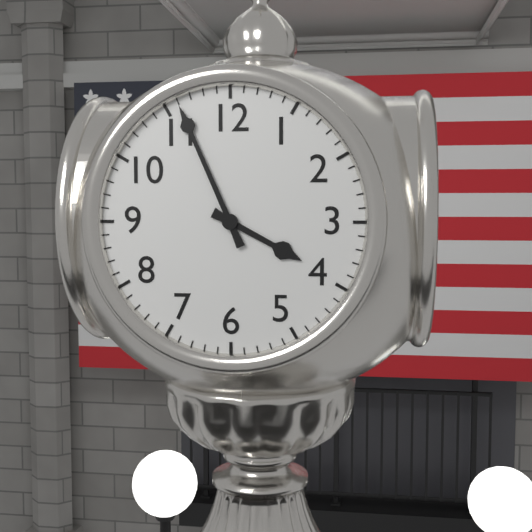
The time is 3,56
